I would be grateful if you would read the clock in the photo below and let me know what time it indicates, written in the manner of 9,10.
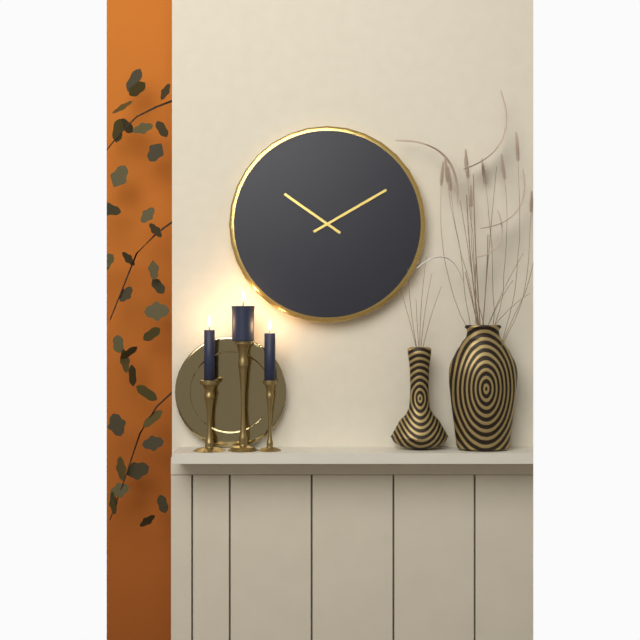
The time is 10,10
